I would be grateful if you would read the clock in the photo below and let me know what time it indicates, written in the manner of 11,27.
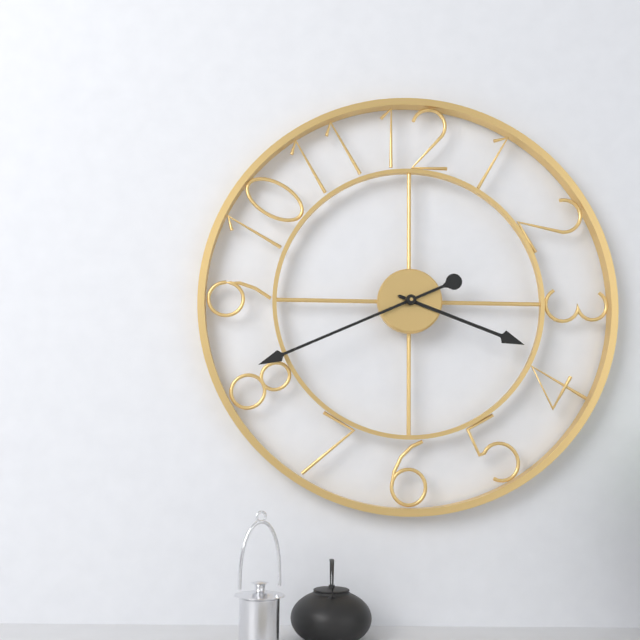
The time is 3,41
